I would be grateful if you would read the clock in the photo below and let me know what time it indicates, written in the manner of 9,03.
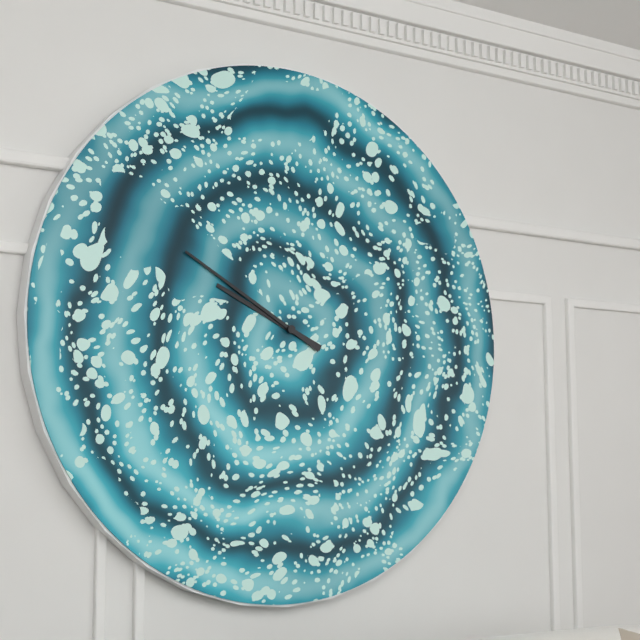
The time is 9,50
